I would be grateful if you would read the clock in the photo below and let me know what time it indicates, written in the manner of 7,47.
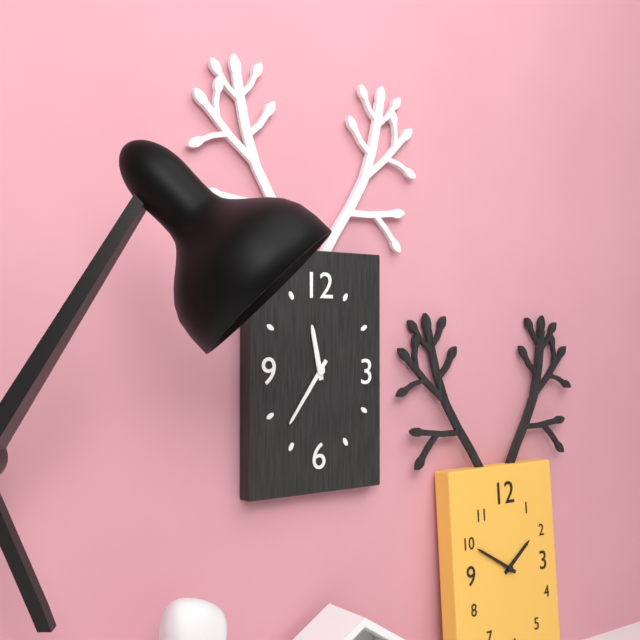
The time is 11,36
